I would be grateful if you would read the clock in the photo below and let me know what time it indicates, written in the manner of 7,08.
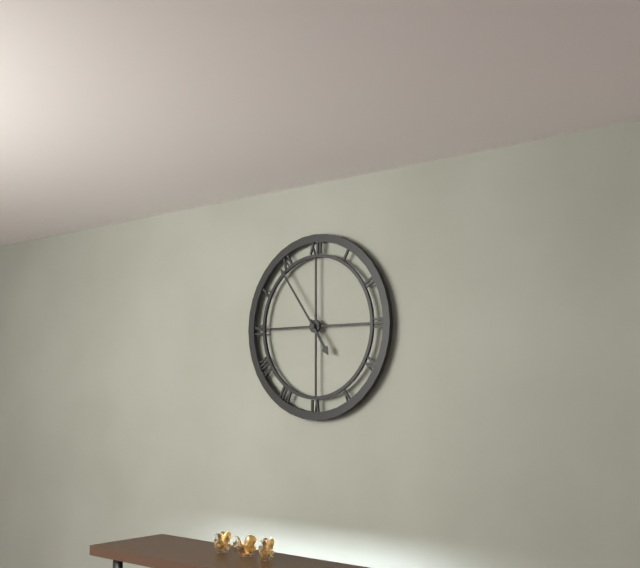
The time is 4,54
